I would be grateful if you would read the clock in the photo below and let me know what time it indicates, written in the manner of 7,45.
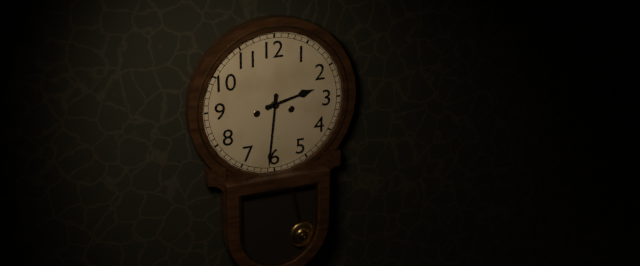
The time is 2,31
